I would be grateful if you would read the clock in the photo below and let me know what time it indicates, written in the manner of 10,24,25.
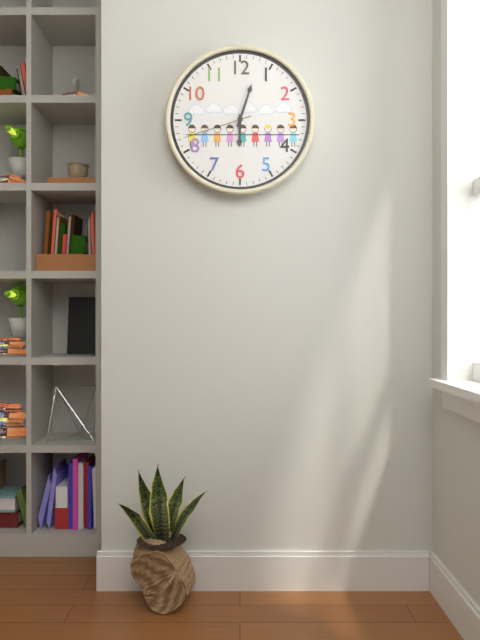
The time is 6,03,42
